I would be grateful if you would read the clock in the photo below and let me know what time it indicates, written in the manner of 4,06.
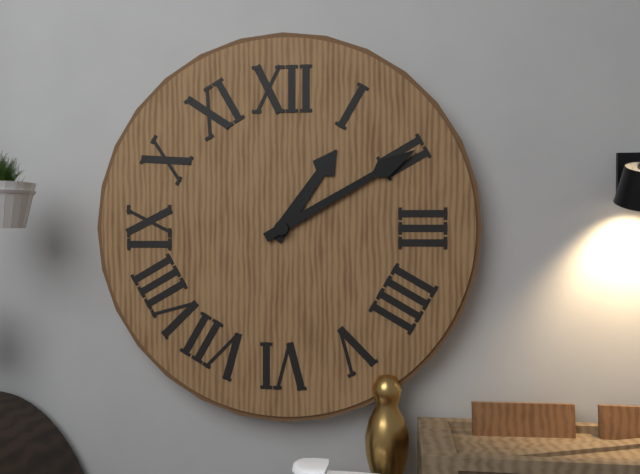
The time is 1,10
